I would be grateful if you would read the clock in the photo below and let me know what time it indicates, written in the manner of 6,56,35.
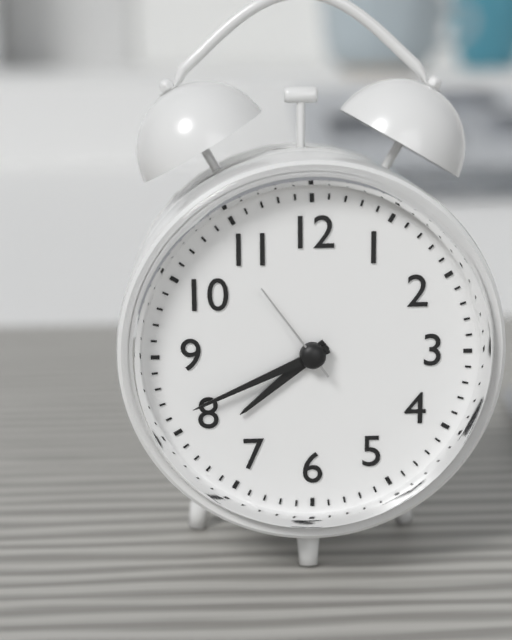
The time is 7,41,54
